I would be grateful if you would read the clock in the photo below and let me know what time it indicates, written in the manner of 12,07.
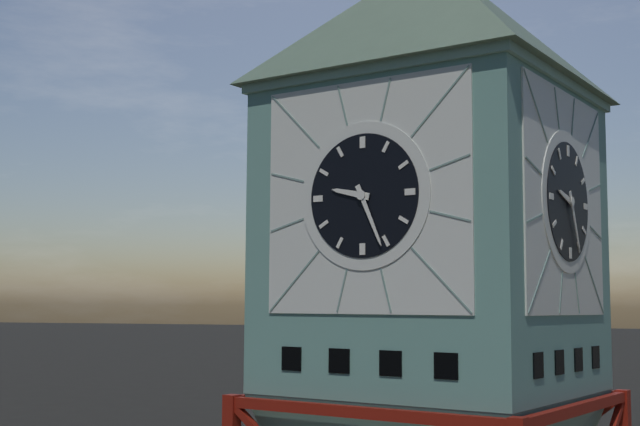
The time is 9,26
